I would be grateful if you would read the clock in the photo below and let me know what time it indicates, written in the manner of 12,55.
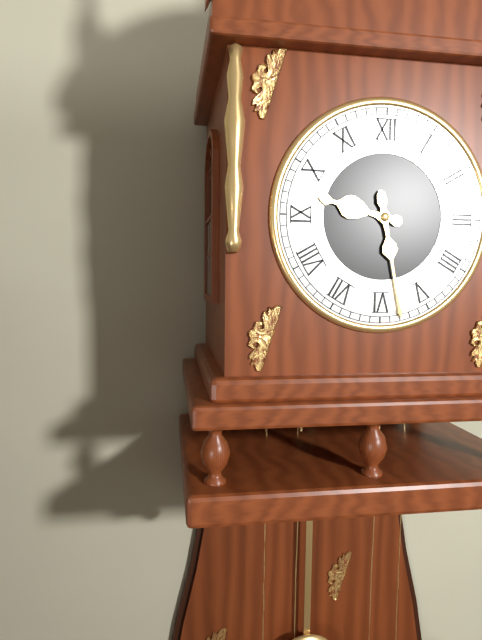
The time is 9,28
